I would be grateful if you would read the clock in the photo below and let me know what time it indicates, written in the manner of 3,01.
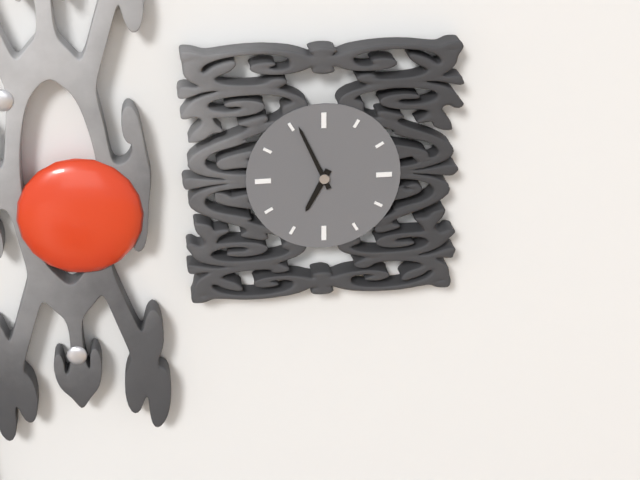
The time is 6,56
